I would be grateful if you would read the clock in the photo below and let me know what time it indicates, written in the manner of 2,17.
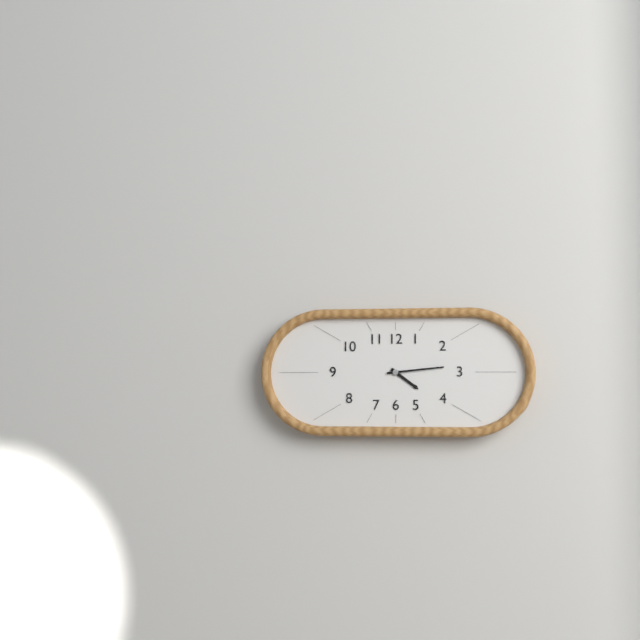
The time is 4,14
